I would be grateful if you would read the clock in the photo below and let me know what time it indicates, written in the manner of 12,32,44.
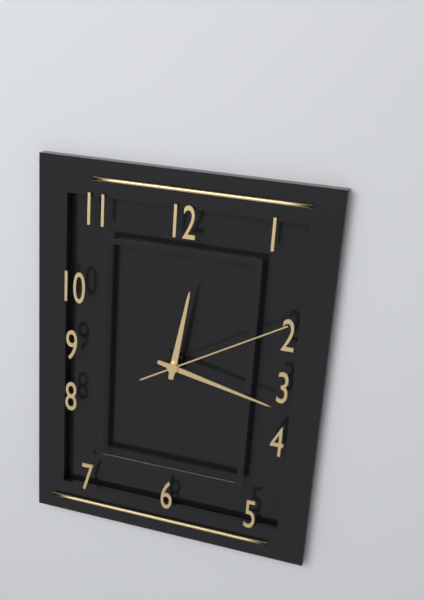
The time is 12,17,10
